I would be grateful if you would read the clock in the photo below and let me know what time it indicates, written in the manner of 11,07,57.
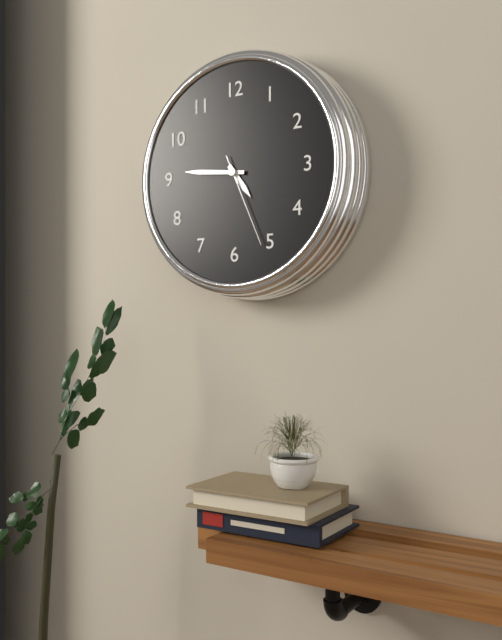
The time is 4,46,26
